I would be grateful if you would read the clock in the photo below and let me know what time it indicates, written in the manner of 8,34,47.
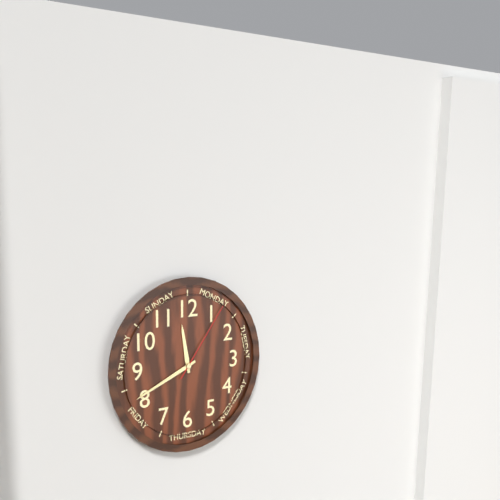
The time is 11,41,06
